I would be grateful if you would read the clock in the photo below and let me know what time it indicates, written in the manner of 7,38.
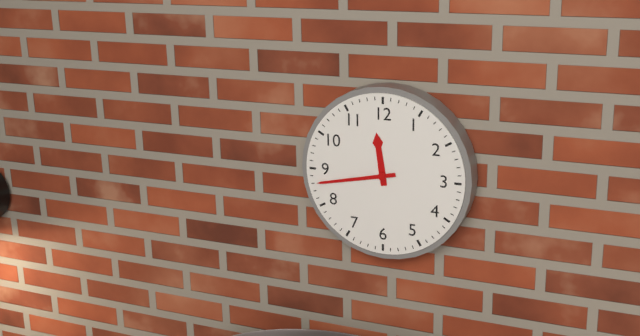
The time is 11,43
